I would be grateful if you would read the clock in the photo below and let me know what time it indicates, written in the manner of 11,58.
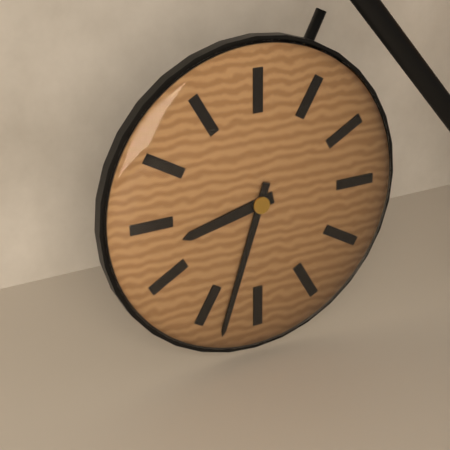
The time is 8,33
